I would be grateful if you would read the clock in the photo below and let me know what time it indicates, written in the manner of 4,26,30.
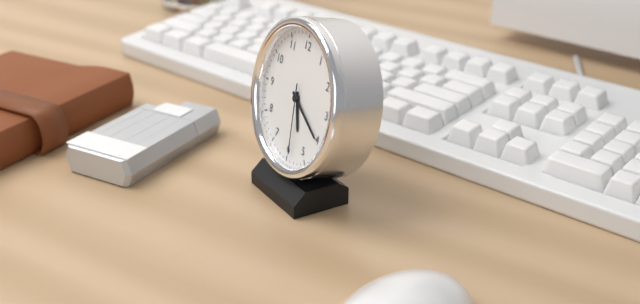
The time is 5,20,29
